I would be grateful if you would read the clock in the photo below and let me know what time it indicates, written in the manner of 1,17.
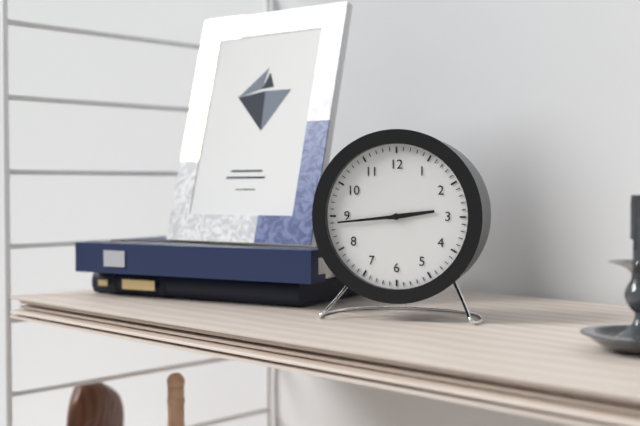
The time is 2,44
